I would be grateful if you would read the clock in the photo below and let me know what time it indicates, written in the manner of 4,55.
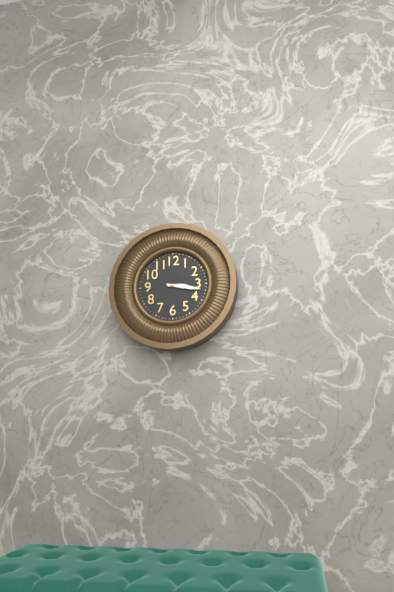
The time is 3,17
